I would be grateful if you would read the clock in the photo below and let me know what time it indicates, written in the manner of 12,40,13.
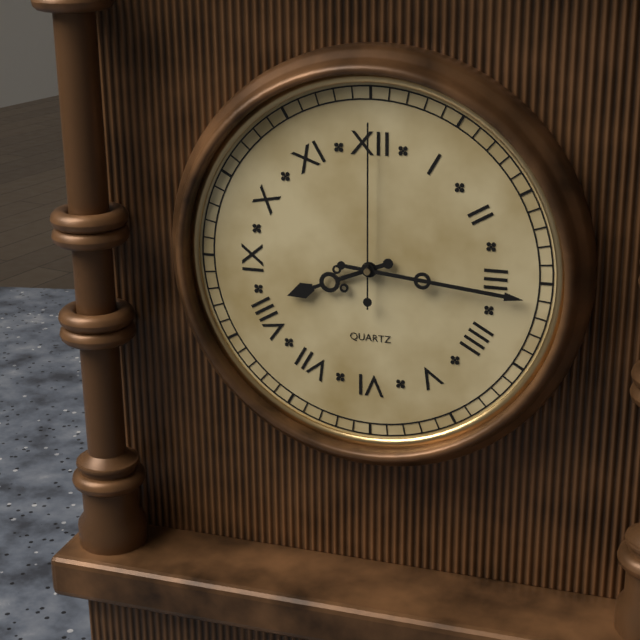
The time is 8,16,00
